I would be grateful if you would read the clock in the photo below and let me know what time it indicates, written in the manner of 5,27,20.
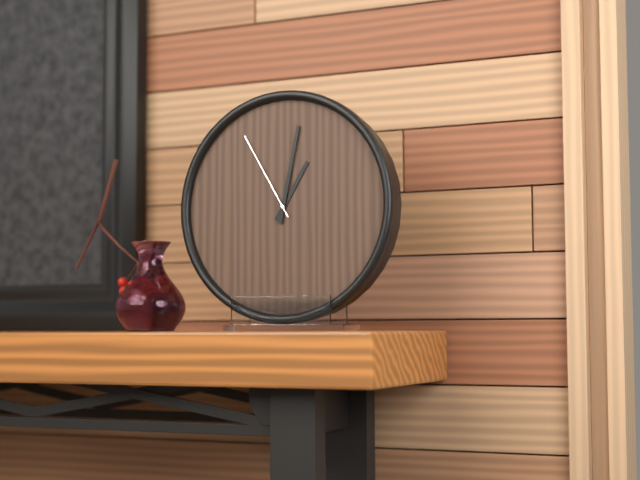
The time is 1,02,55
